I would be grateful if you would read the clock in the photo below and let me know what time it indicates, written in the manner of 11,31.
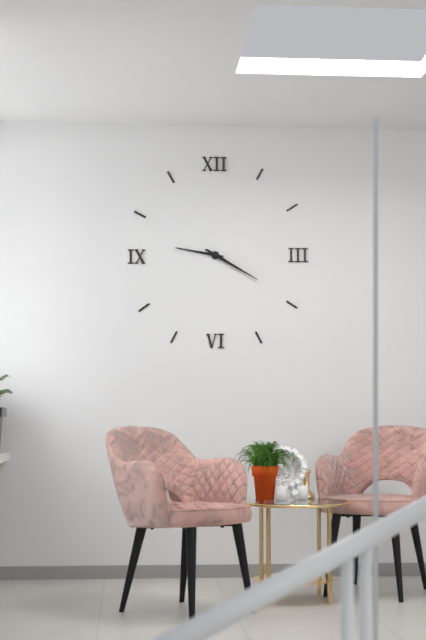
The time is 9,20
